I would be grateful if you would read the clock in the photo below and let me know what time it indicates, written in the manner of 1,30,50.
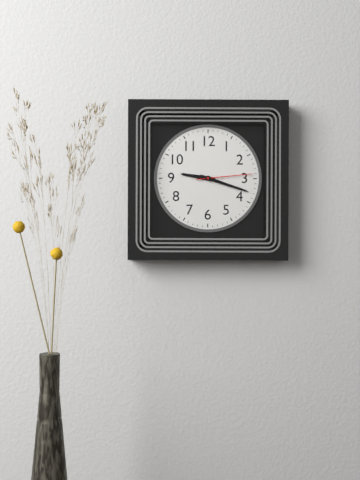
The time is 9,18,14
